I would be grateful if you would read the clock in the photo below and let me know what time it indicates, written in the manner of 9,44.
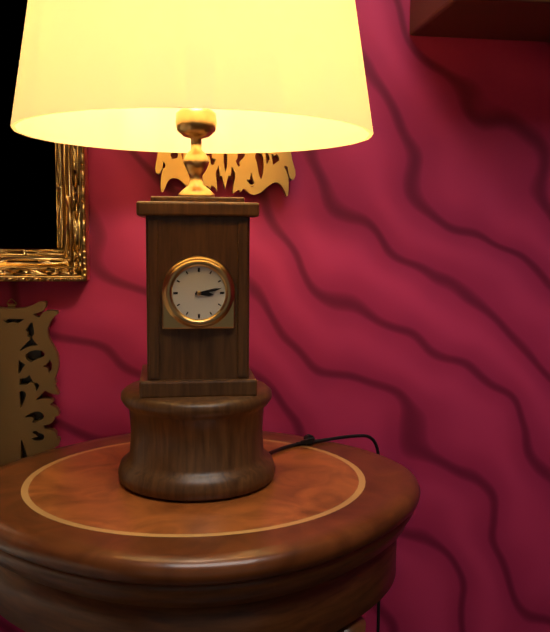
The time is 3,13
